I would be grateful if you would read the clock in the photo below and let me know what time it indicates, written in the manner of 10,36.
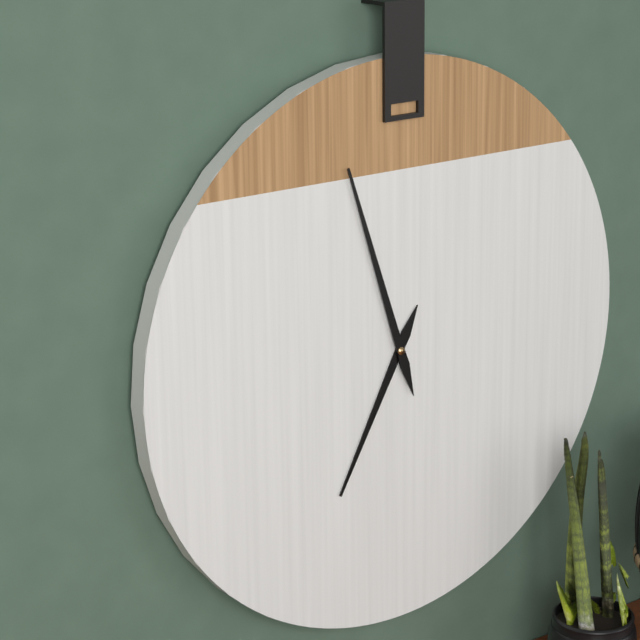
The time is 6,57
